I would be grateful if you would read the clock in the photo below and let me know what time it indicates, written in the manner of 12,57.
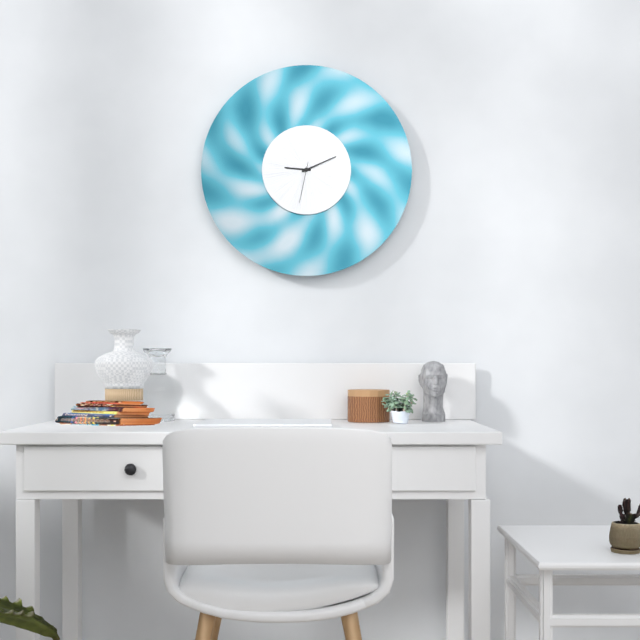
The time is 9,11
